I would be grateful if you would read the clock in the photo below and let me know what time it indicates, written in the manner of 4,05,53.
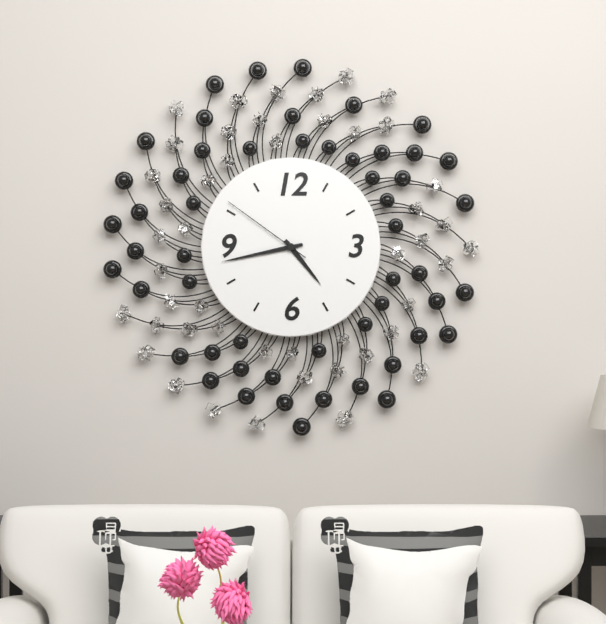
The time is 4,43,51
